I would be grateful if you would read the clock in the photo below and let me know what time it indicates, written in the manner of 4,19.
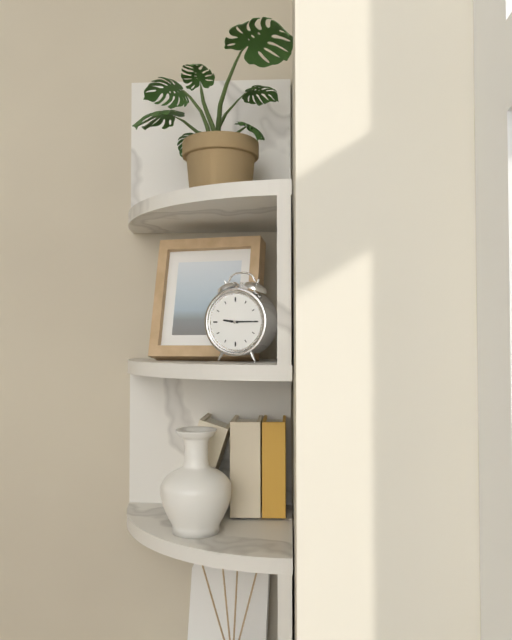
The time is 9,15
